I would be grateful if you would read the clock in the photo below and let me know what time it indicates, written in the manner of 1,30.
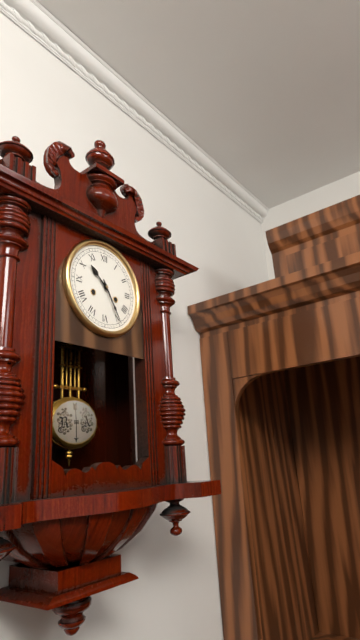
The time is 10,25
